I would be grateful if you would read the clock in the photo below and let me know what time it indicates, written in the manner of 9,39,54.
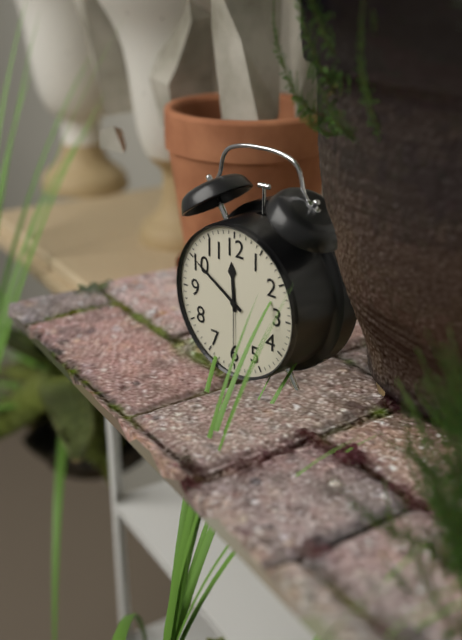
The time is 11,50,30
